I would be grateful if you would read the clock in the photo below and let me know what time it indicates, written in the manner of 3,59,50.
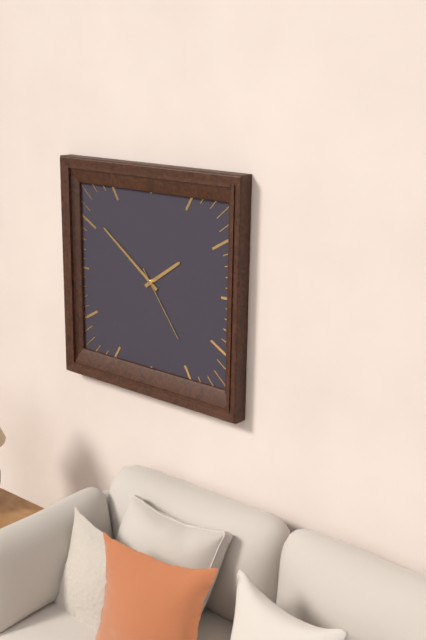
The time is 1,51,24
